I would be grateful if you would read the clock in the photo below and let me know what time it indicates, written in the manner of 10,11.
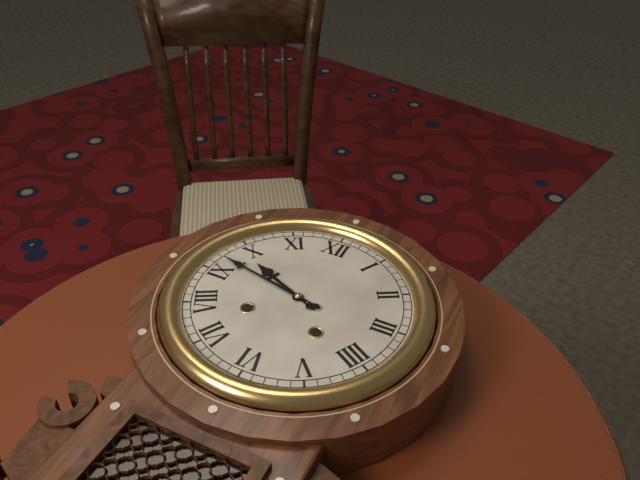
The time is 9,47
